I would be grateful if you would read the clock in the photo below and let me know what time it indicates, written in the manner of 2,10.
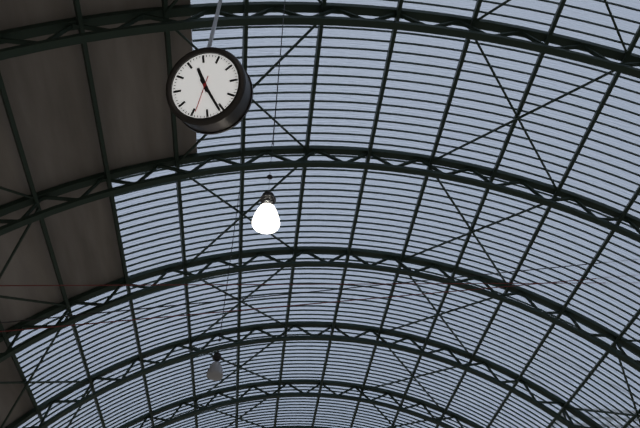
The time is 11,26
